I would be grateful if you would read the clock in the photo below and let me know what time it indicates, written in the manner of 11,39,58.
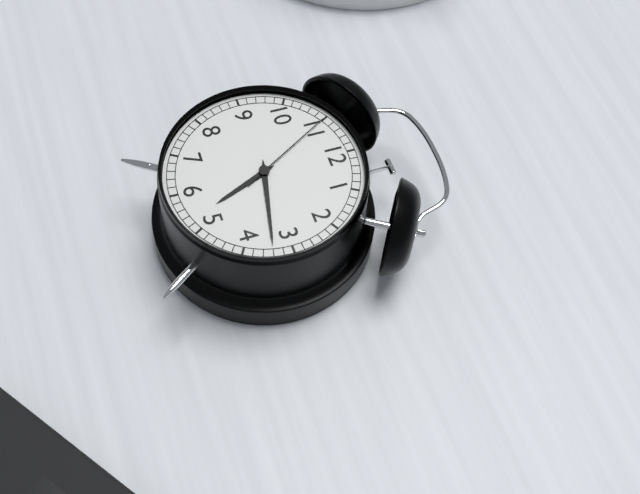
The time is 5,17,55
